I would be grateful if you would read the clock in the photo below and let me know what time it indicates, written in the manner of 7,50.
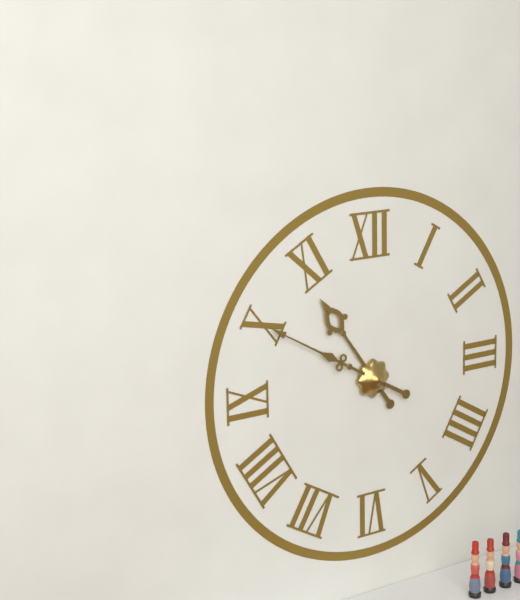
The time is 10,50
